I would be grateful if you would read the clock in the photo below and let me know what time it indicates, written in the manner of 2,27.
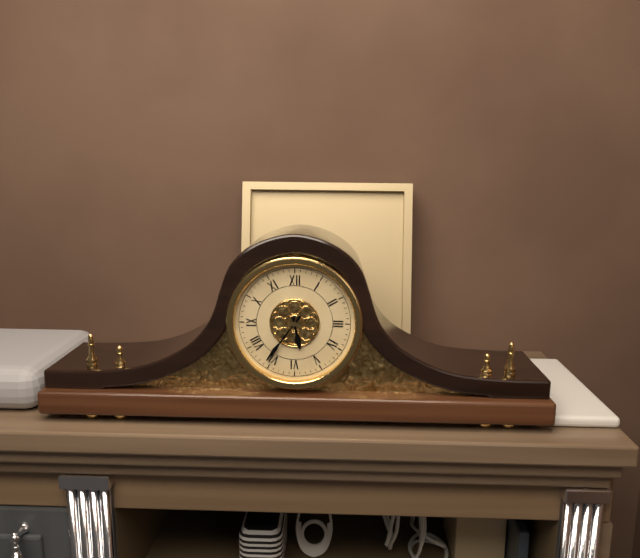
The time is 5,36
